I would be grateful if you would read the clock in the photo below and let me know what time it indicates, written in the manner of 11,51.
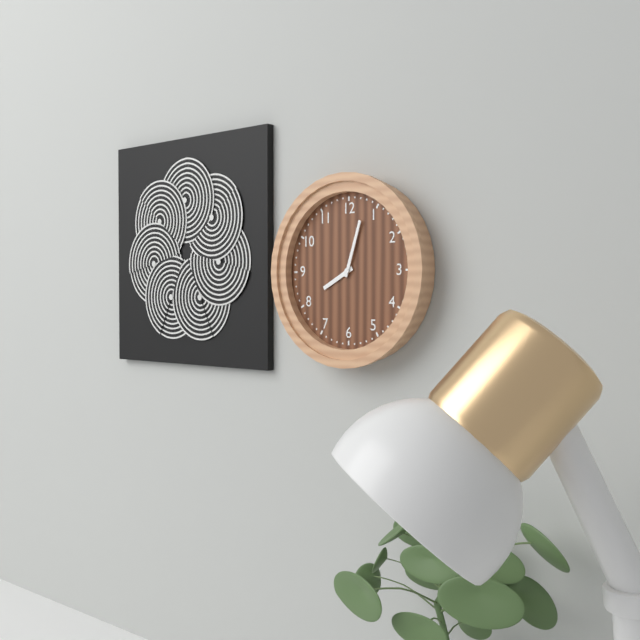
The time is 8,03
